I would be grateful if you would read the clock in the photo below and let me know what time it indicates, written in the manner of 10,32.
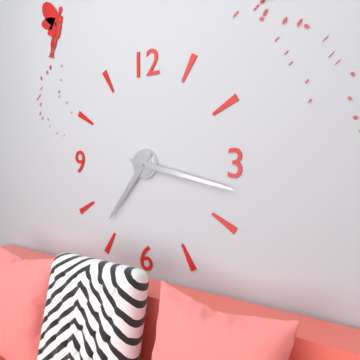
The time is 7,17
